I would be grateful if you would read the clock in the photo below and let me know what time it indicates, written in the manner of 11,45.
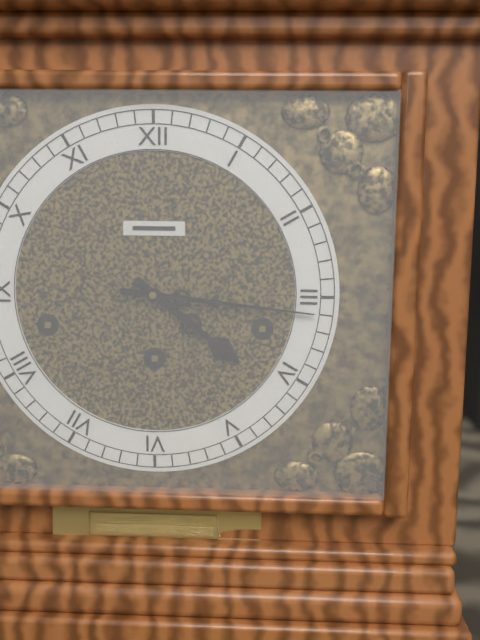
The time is 4,16
